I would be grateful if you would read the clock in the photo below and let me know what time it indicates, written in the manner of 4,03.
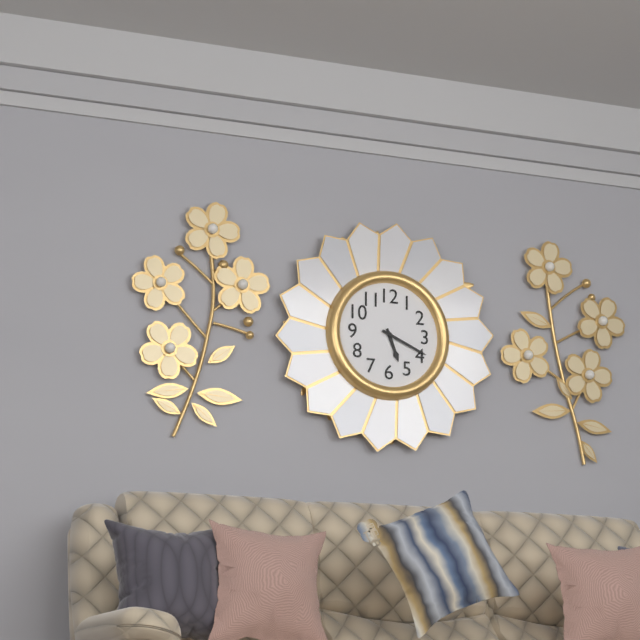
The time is 5,19
